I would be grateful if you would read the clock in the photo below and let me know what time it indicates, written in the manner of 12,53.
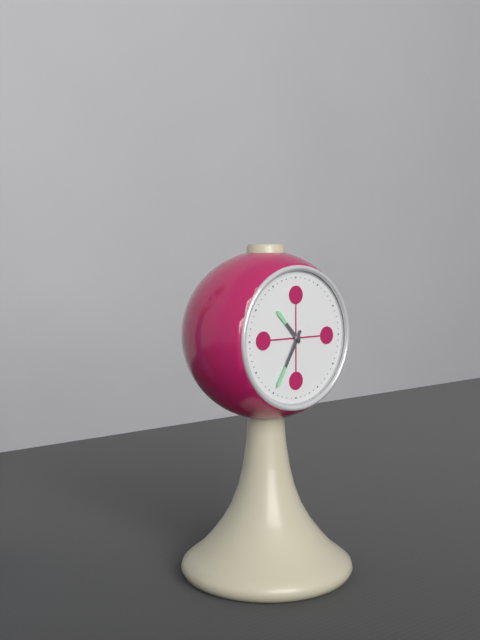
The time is 10,35
